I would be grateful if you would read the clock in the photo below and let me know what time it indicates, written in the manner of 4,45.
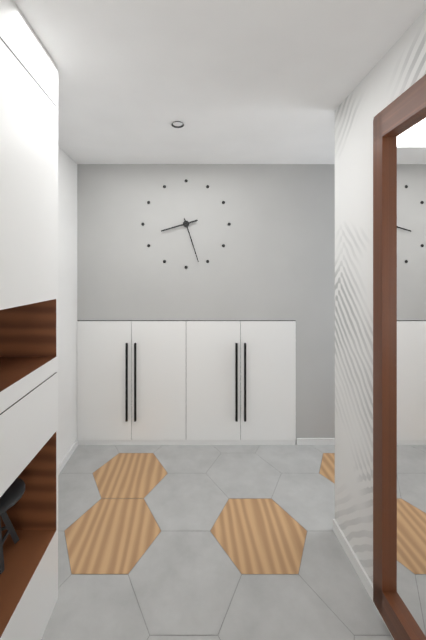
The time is 8,27
